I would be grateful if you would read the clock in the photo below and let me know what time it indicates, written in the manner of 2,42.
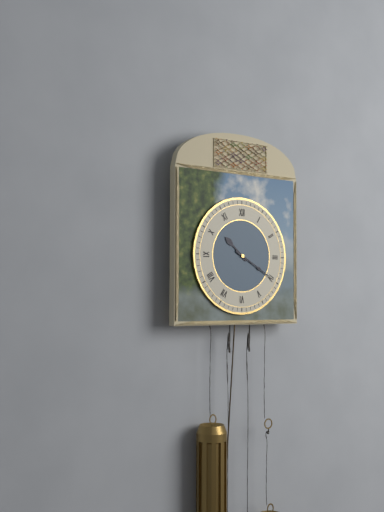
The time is 10,20
